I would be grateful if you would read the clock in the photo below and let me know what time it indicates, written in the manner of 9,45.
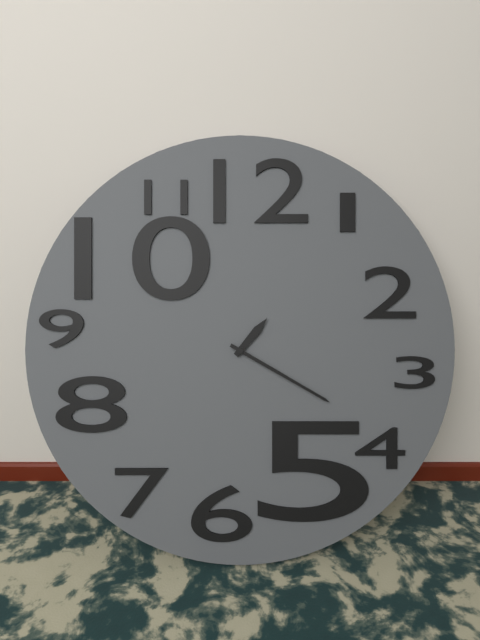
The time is 1,20
